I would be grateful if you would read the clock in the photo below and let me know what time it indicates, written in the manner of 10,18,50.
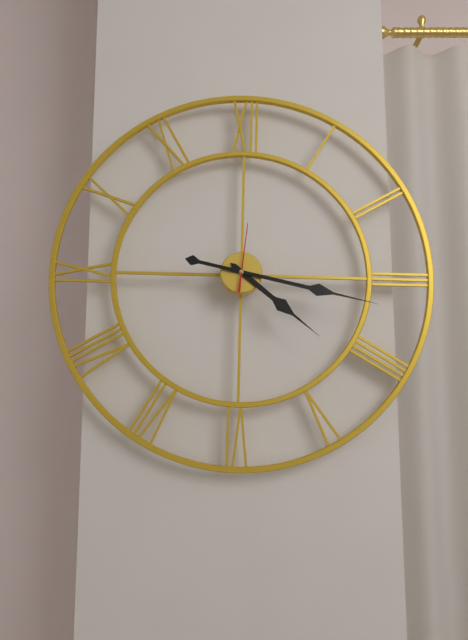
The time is 4,17,01
